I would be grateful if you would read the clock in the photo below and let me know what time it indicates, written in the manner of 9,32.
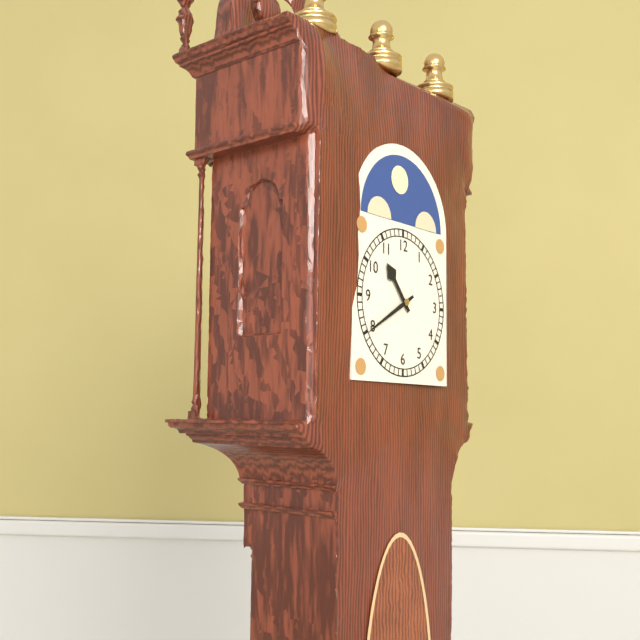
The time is 10,40
